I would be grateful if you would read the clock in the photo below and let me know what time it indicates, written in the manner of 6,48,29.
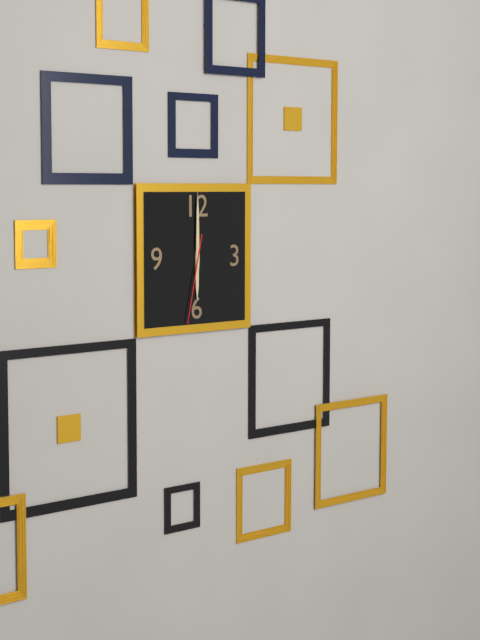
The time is 6,00,32
